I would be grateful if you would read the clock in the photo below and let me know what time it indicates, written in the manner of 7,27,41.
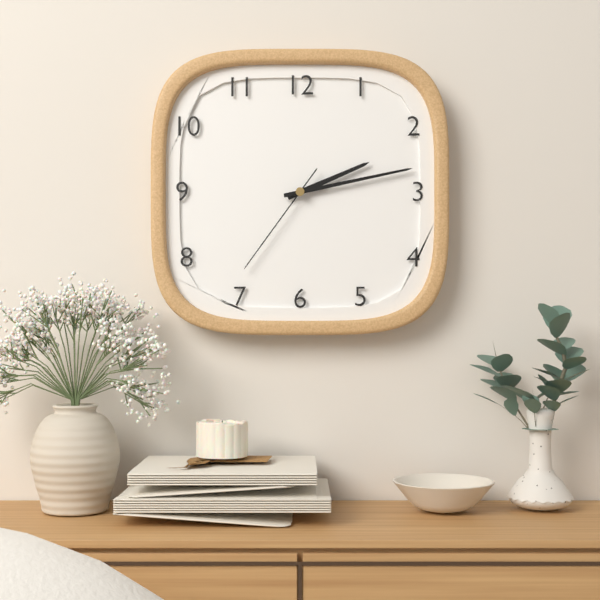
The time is 2,13,36
